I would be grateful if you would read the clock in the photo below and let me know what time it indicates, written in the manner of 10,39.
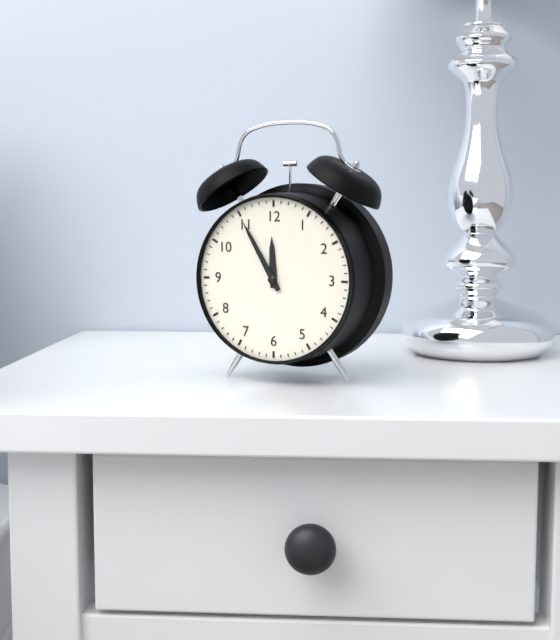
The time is 11,55
